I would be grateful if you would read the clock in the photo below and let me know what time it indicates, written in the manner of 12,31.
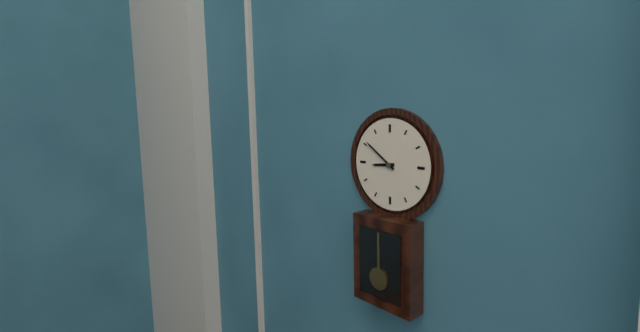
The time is 8,51
